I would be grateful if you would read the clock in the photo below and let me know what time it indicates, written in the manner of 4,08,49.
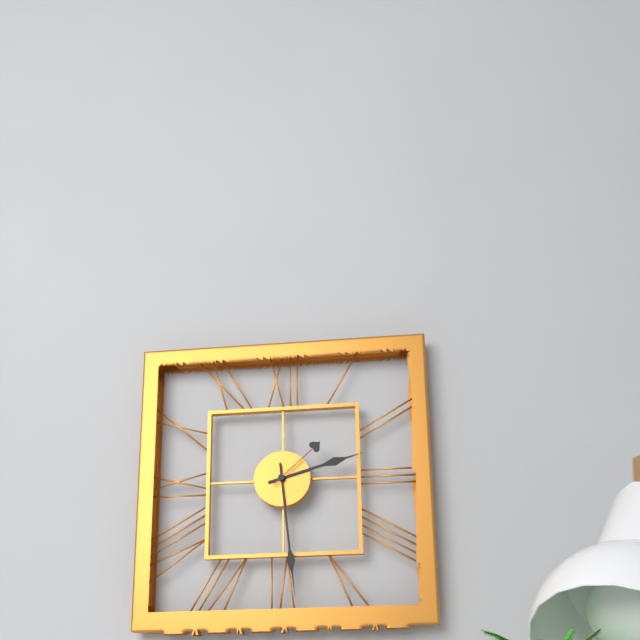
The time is 2,29,08
